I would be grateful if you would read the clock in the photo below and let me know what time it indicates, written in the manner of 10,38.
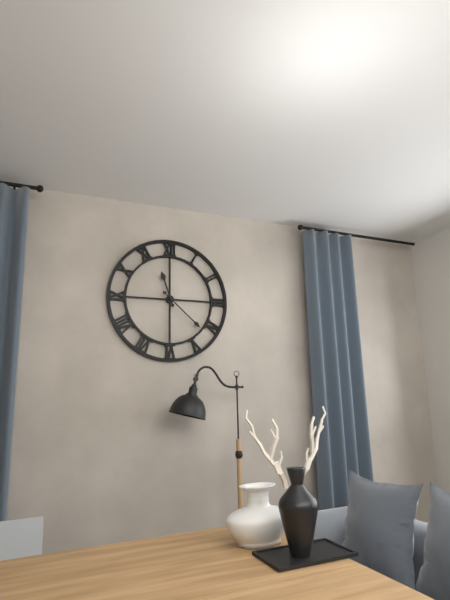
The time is 11,22
